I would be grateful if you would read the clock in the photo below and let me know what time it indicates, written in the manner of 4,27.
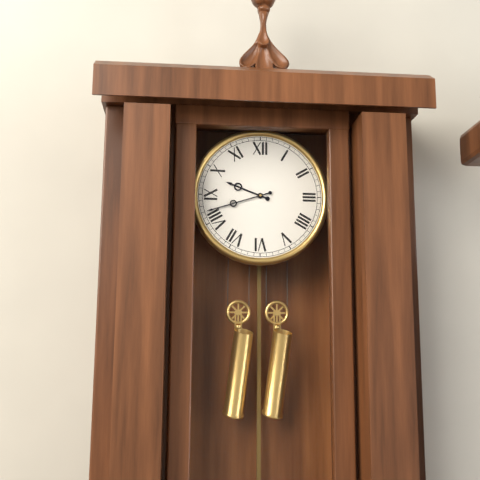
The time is 9,42
